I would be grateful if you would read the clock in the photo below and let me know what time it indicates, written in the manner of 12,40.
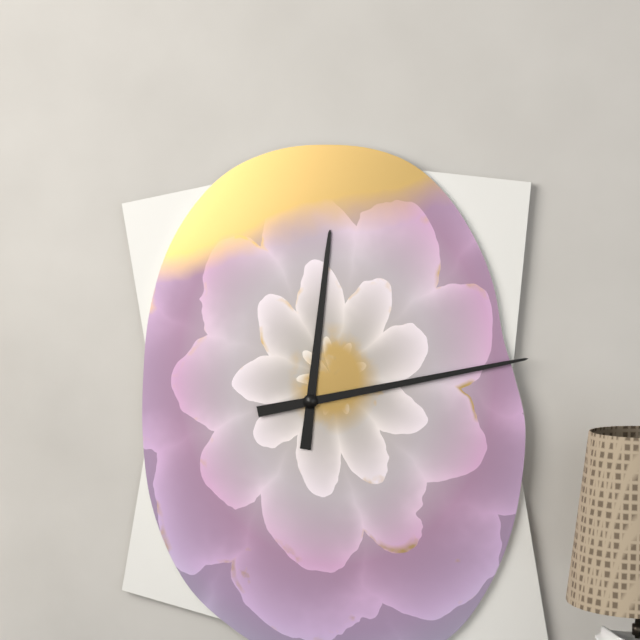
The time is 12,13
